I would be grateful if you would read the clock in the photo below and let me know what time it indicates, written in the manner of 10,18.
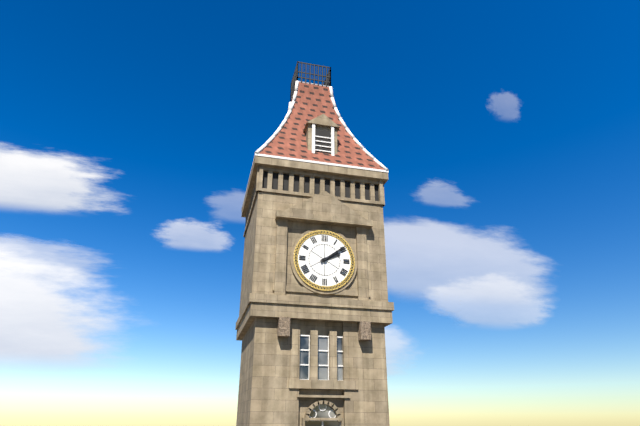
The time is 2,09
